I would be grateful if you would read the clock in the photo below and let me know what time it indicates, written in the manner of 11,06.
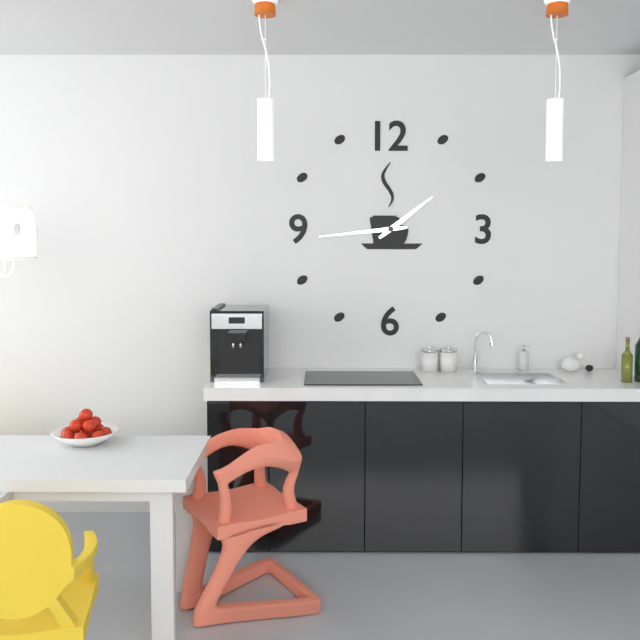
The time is 1,44
